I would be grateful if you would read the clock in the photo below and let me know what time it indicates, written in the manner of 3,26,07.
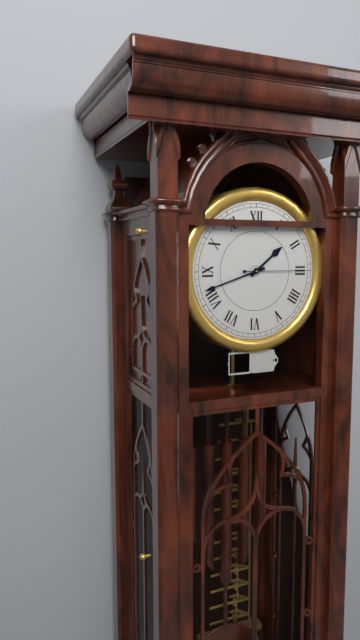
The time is 1,42,15
